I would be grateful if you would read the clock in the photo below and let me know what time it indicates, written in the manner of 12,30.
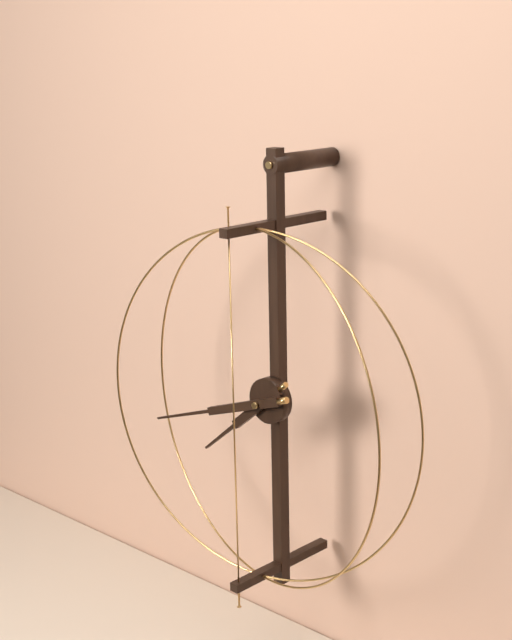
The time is 7,42
